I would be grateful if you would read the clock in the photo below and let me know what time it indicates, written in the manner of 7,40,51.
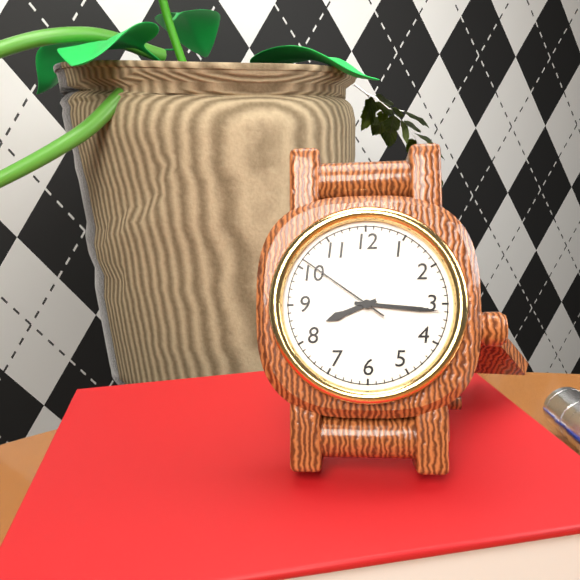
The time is 8,16,51
